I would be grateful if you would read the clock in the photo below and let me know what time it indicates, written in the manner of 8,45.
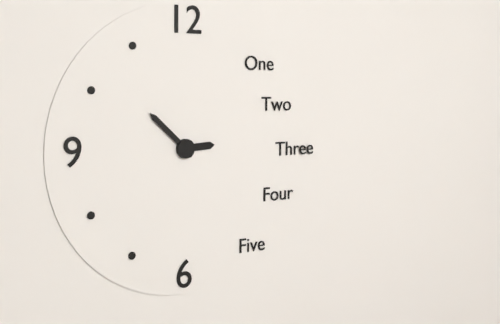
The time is 2,52
